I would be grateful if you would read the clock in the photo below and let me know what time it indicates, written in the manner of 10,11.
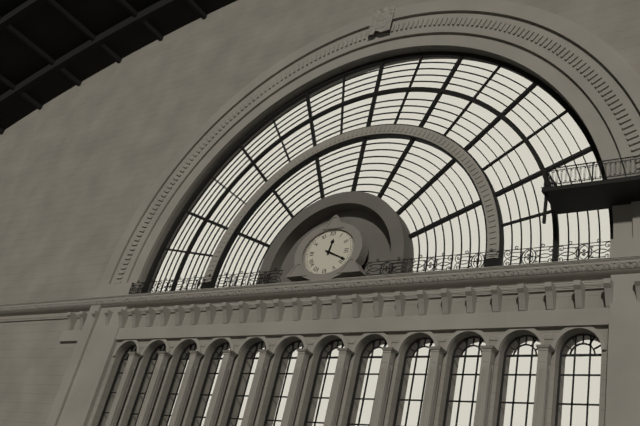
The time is 12,19
